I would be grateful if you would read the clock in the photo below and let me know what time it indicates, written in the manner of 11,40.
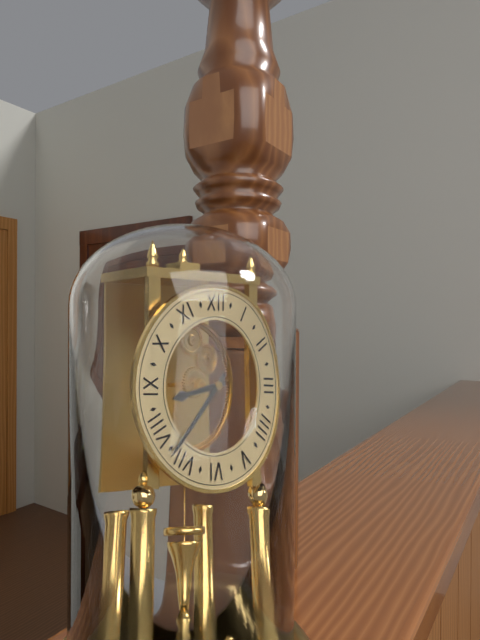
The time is 8,37
